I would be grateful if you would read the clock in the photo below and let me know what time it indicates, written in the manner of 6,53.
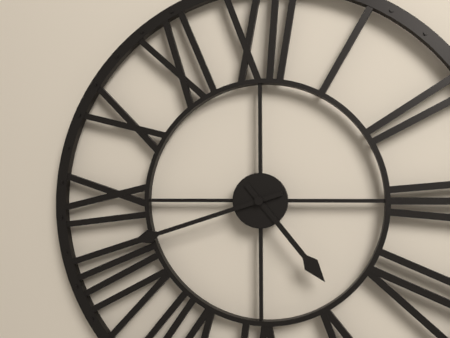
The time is 4,42
